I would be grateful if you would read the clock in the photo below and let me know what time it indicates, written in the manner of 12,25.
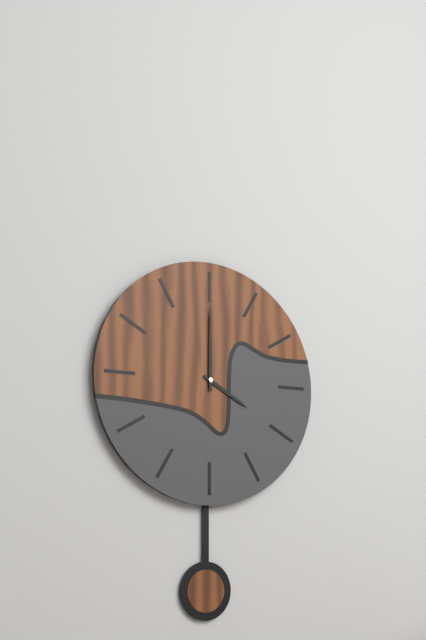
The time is 4,00
